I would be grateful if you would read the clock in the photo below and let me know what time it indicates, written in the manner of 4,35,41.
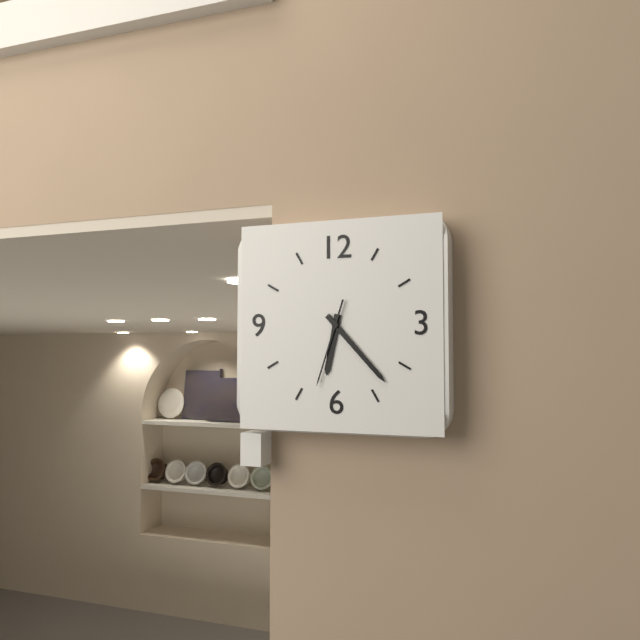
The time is 6,23,33
